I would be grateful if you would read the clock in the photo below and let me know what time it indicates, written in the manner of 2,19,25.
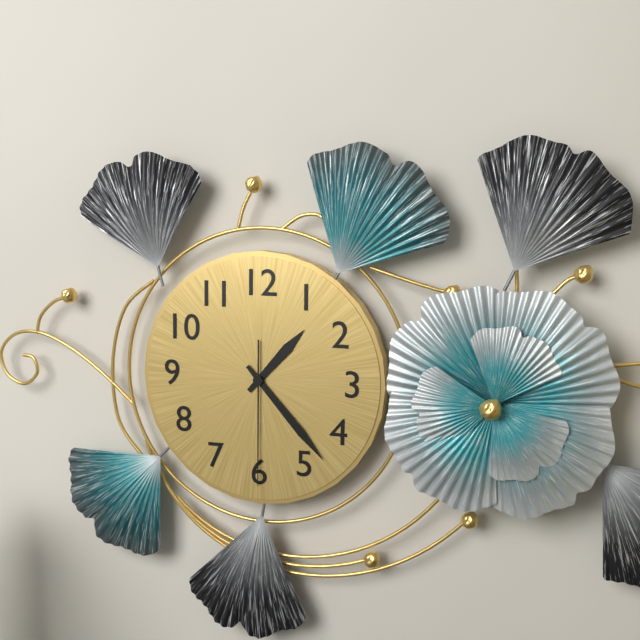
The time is 1,23,30
